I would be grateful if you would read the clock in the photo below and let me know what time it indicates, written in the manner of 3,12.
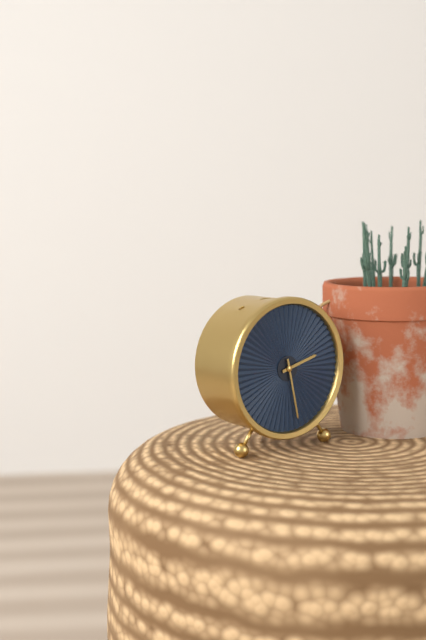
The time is 2,28
